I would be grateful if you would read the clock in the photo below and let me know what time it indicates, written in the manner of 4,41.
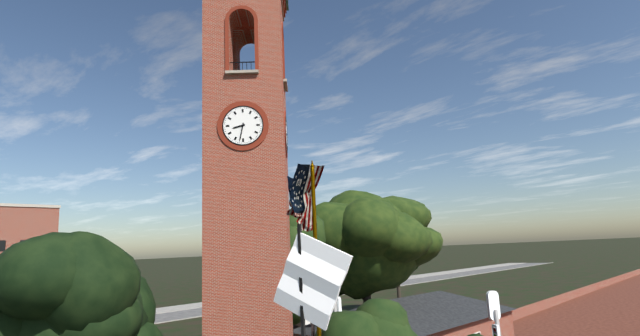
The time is 8,32
